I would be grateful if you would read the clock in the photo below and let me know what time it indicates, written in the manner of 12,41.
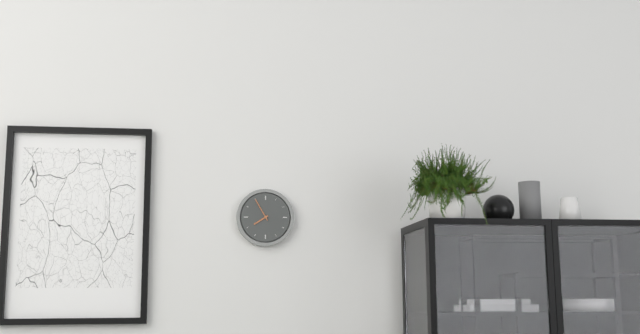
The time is 7,55
